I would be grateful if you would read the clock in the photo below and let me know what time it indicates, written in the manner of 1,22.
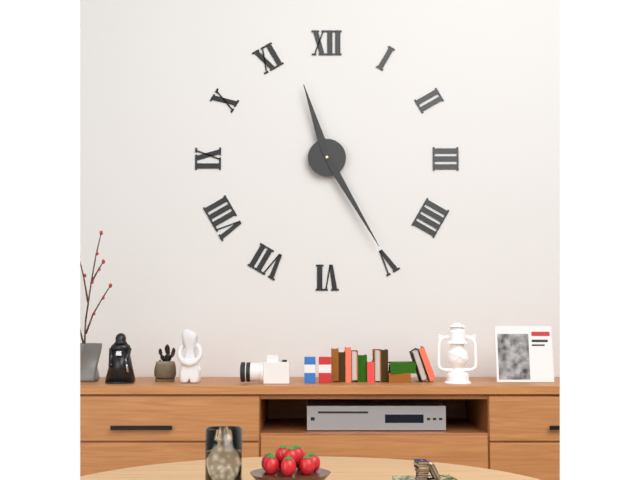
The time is 11,25
